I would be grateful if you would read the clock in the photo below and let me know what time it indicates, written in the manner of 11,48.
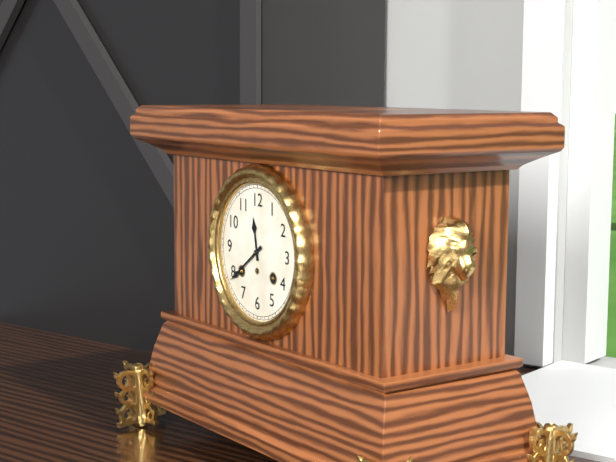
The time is 11,39
